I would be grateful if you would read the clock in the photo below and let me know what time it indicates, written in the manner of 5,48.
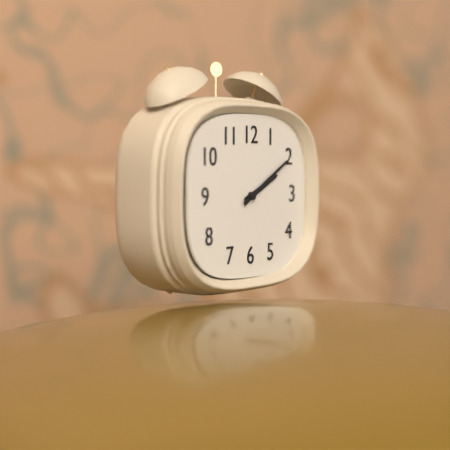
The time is 2,10
